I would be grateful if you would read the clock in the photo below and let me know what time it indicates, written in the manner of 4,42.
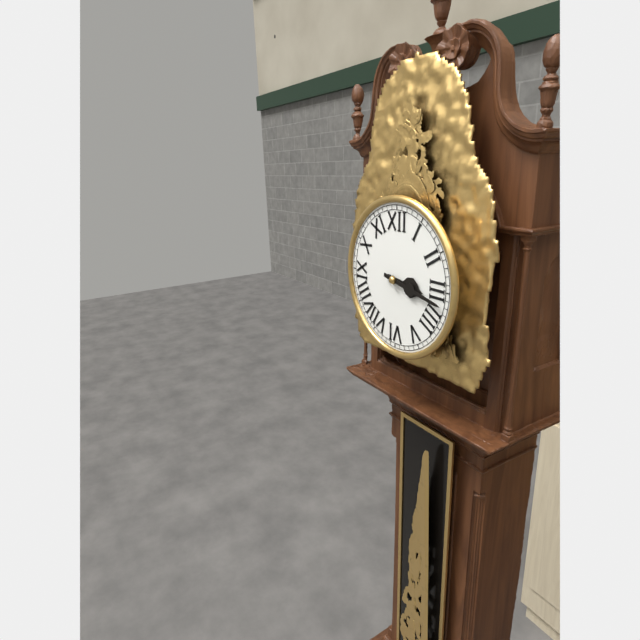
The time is 3,17
